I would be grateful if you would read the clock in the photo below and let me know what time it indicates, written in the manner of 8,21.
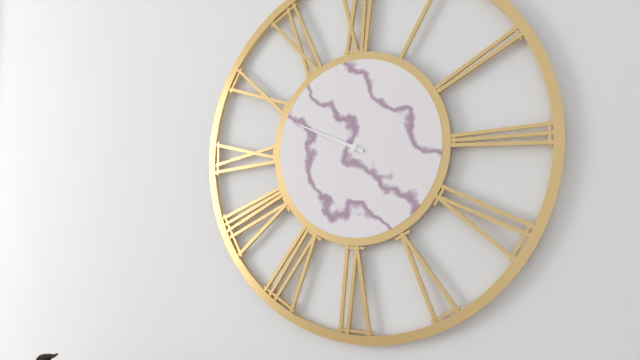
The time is 9,49
